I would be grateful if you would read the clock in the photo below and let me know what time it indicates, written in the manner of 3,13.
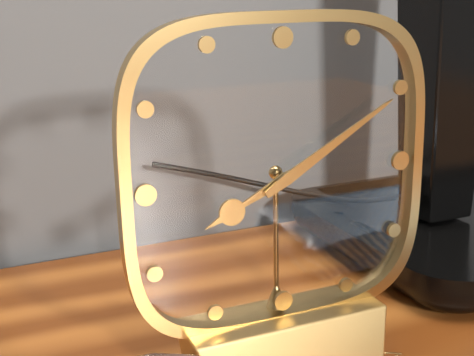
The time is 8,10
